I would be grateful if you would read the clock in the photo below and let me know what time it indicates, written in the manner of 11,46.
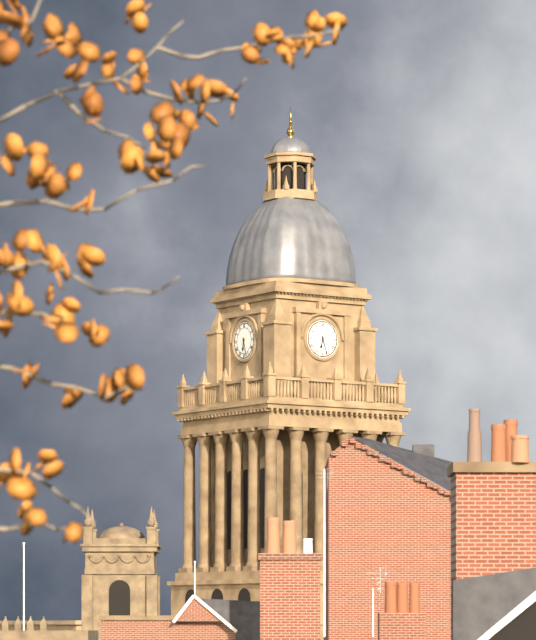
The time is 6,27
